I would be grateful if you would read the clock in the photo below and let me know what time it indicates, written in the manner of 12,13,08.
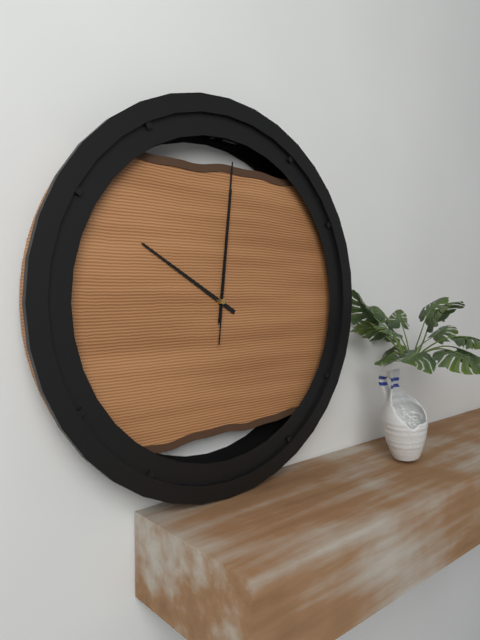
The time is 10,01,01
